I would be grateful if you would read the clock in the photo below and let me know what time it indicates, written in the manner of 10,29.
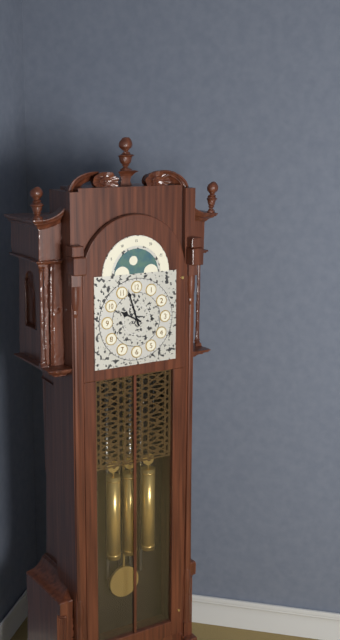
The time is 9,57
